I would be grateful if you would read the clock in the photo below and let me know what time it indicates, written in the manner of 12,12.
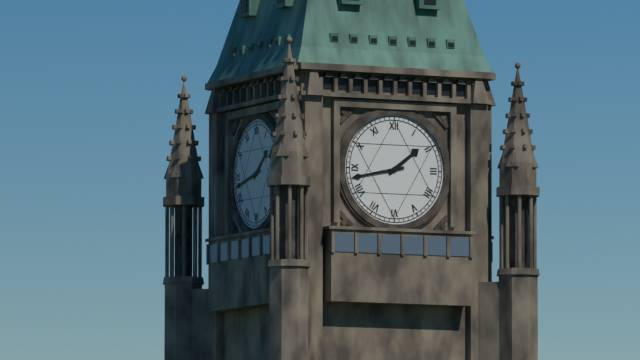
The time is 1,43
